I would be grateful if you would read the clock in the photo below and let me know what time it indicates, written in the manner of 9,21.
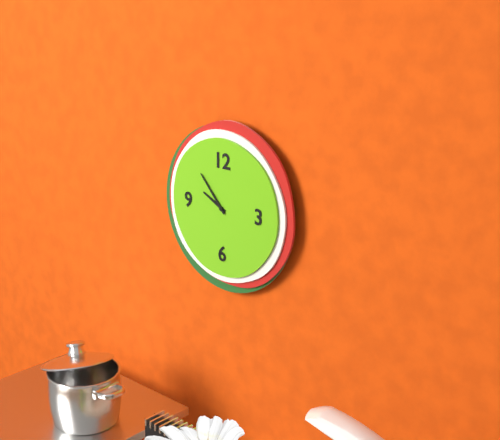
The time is 9,53
